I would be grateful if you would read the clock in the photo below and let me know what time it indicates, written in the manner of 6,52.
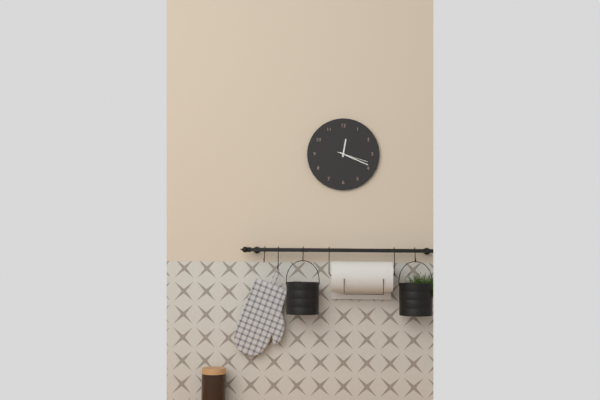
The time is 12,19
